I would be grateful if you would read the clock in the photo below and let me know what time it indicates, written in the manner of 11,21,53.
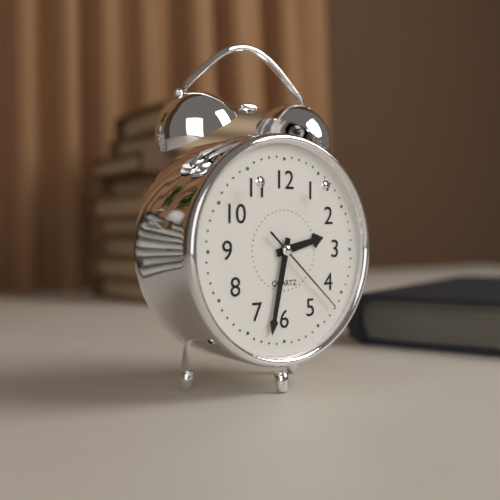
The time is 2,32,22
